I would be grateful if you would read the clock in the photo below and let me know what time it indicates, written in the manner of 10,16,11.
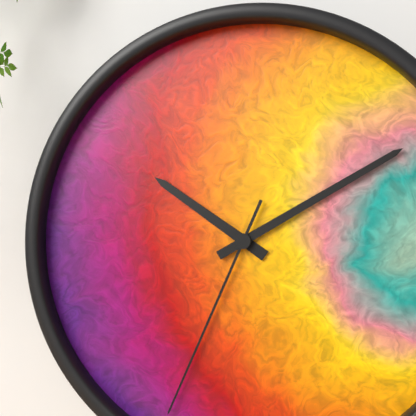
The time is 10,10,34
